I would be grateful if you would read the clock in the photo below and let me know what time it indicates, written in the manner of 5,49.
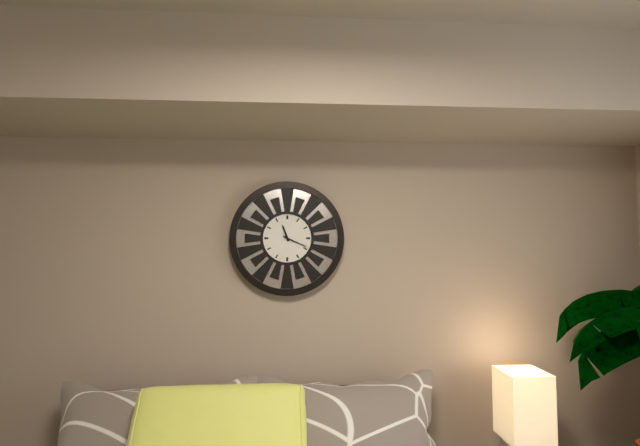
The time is 11,19
